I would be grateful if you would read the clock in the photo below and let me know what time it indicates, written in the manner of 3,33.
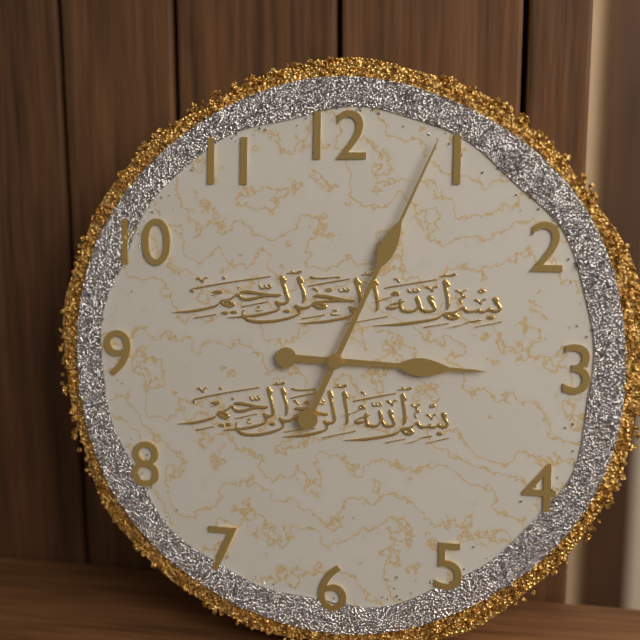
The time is 3,04
